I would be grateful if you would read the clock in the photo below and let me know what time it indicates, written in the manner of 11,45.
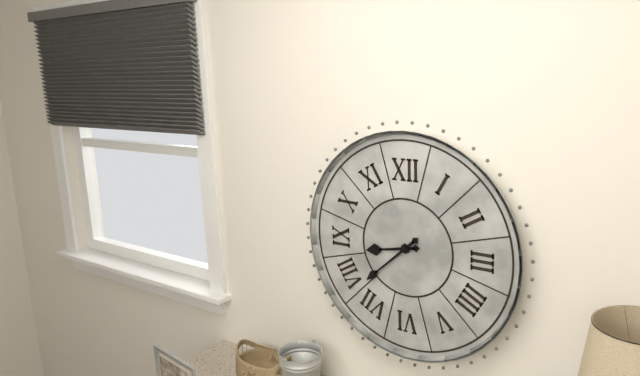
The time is 8,38
